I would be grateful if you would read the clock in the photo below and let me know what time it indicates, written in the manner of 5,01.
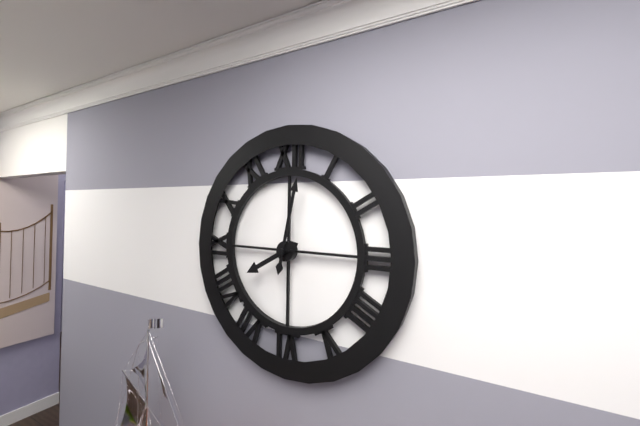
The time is 8,02
